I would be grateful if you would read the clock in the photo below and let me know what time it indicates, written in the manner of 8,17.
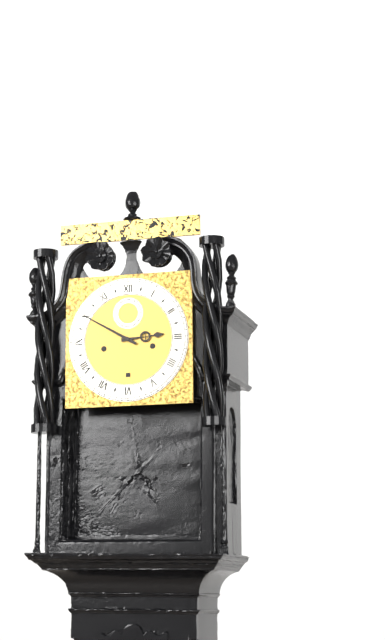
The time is 2,50
